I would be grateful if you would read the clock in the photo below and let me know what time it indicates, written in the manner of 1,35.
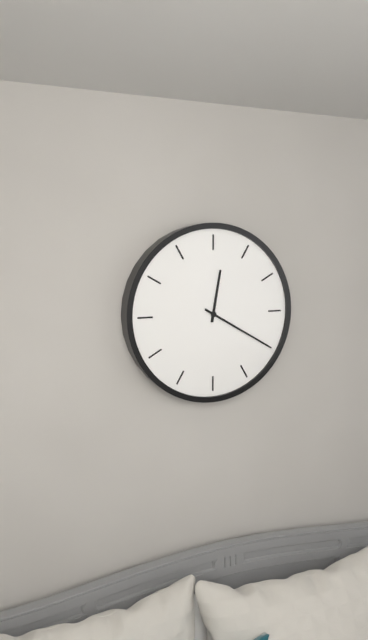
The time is 12,20
